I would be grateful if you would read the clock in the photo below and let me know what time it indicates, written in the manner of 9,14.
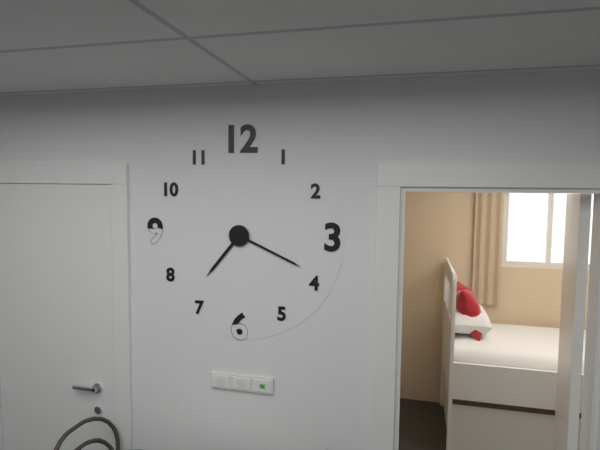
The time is 7,19
